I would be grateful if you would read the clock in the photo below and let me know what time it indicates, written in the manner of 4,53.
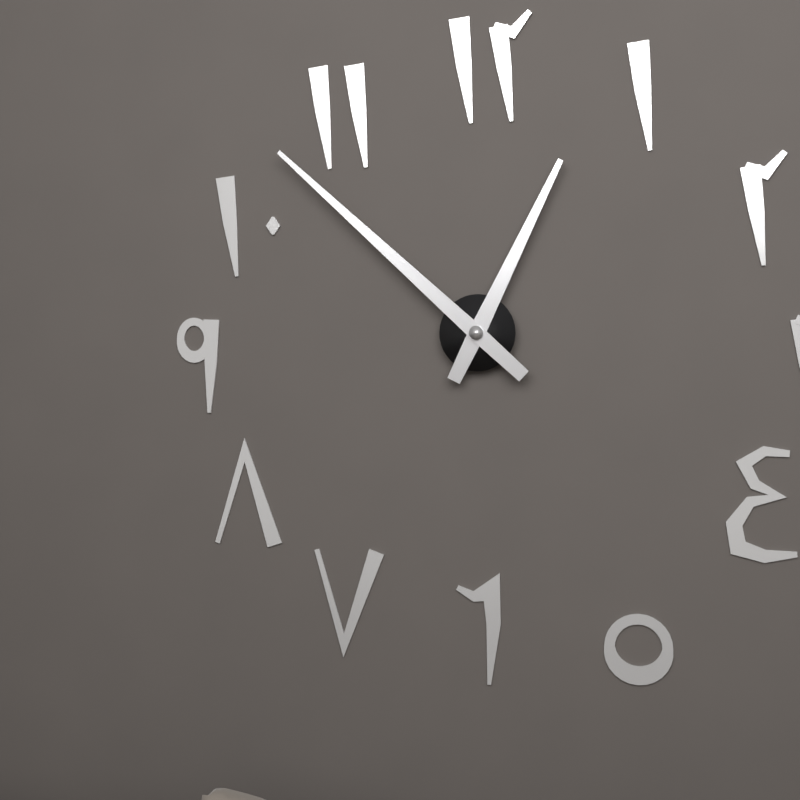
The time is 12,52
